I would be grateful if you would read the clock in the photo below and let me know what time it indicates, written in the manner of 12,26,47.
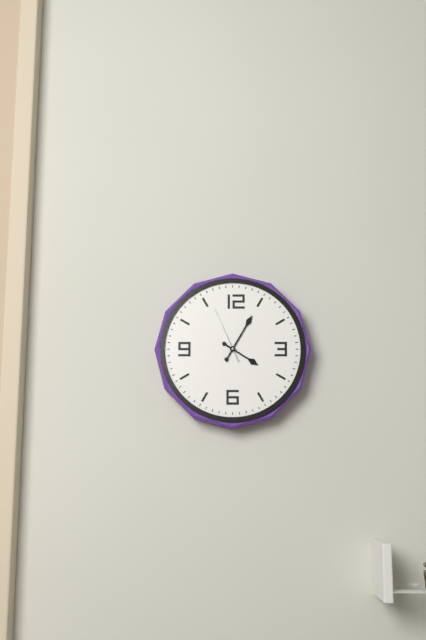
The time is 4,05,56
